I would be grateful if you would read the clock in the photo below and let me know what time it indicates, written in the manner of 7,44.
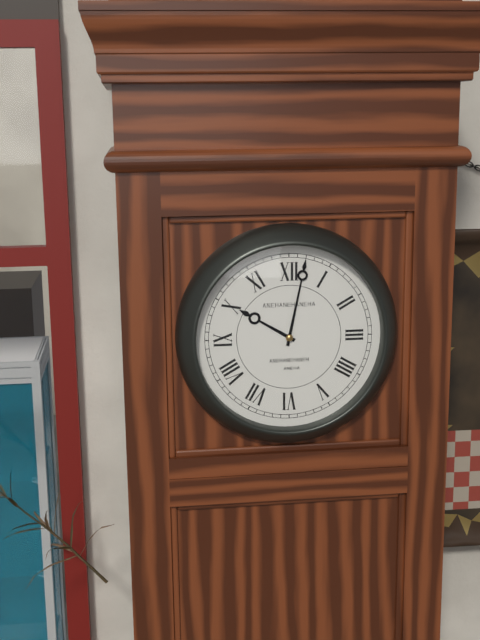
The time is 10,02
